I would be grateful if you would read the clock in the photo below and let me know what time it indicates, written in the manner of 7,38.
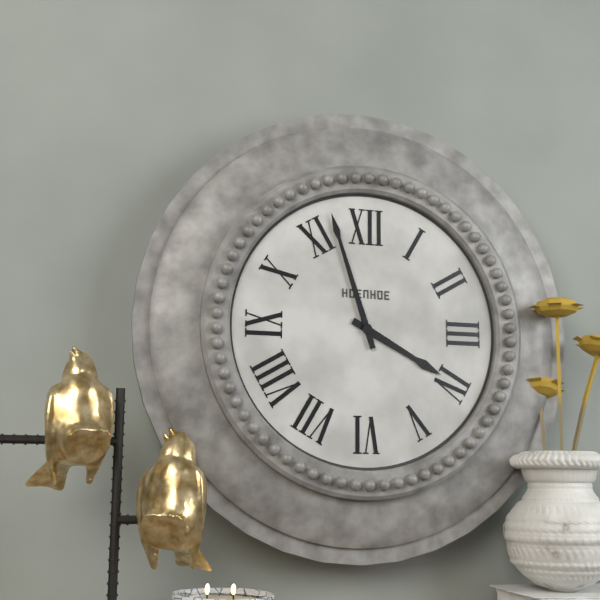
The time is 3,57
